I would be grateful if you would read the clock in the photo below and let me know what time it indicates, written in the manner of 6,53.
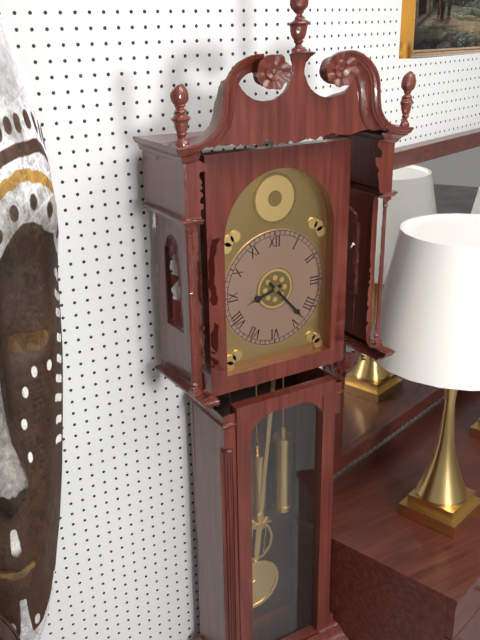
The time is 8,23
